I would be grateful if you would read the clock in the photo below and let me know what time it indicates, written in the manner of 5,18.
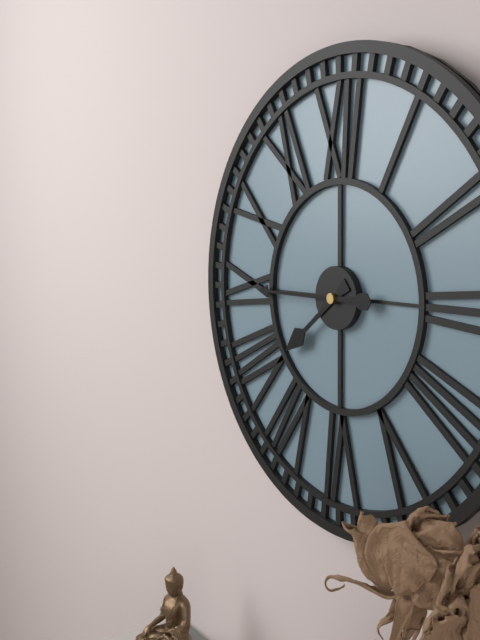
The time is 7,45
